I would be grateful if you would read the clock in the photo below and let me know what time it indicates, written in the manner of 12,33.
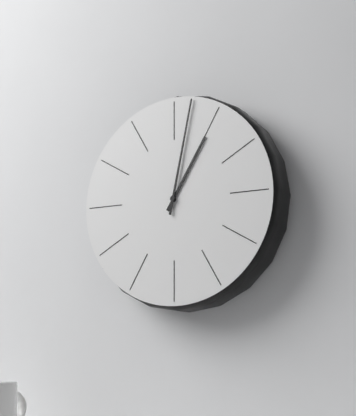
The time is 1,02
